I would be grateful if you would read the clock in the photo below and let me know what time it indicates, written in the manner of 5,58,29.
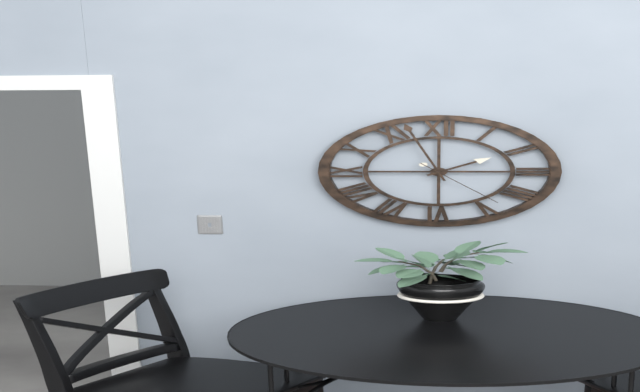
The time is 1,57,23
